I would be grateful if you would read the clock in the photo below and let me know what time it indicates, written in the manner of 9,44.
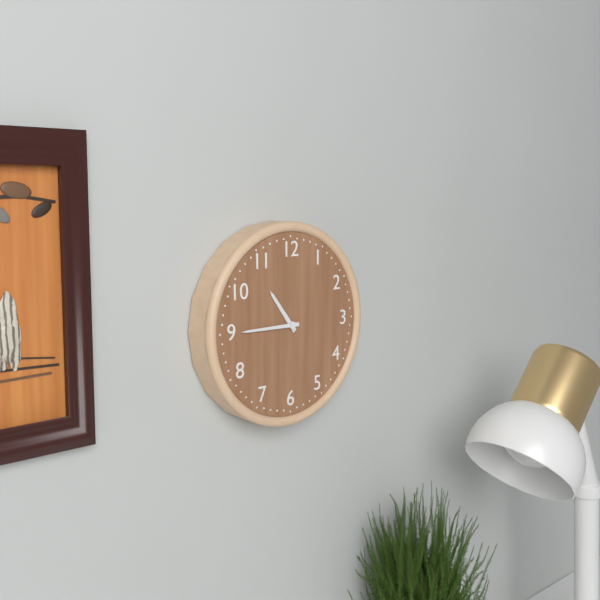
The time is 10,45
